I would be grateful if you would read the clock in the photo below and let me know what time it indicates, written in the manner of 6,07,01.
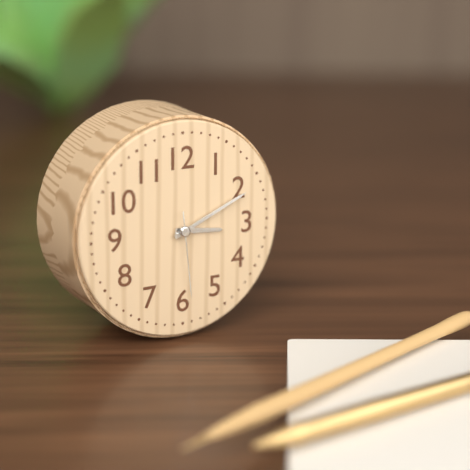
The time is 3,11,29
